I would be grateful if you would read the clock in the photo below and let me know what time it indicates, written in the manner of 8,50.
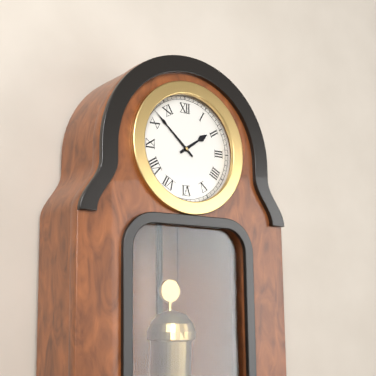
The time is 1,52
